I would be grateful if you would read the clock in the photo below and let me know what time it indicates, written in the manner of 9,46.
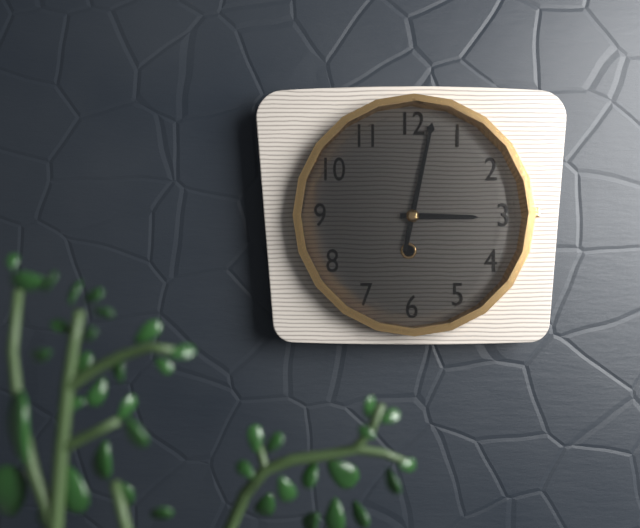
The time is 3,02
